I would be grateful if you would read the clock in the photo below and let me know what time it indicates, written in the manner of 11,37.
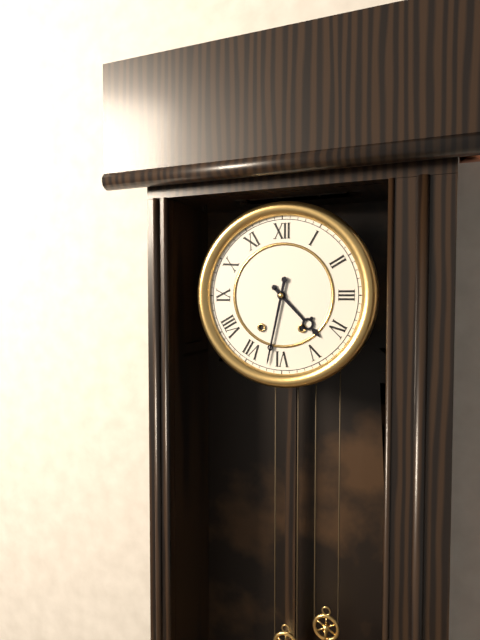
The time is 4,32
